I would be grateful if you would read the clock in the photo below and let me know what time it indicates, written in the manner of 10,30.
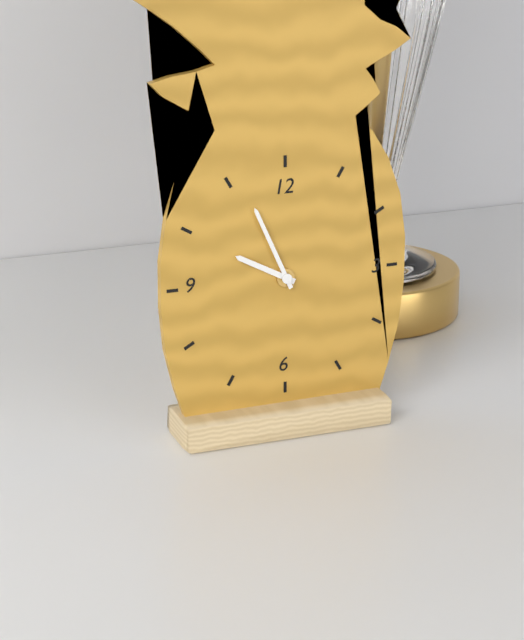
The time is 9,56
